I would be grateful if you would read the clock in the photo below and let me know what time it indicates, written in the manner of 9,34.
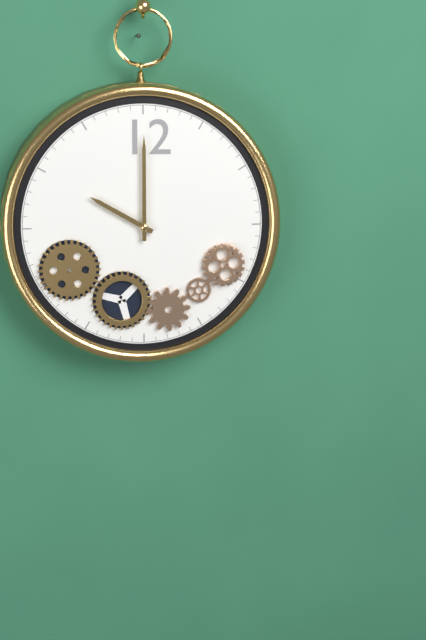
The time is 10,00
